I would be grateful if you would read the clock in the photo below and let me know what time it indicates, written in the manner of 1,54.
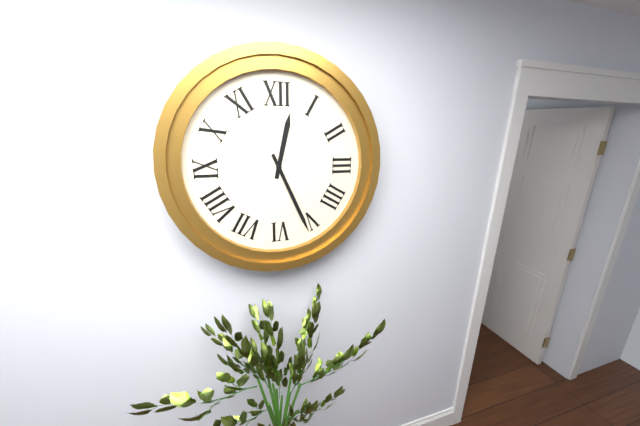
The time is 12,26
